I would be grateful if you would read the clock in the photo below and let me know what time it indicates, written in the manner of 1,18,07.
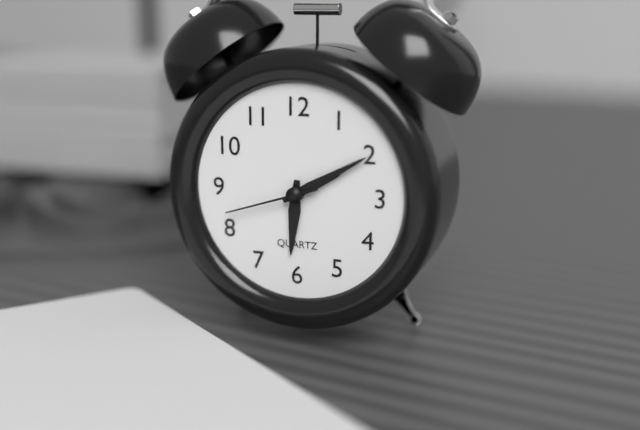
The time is 6,10,42
